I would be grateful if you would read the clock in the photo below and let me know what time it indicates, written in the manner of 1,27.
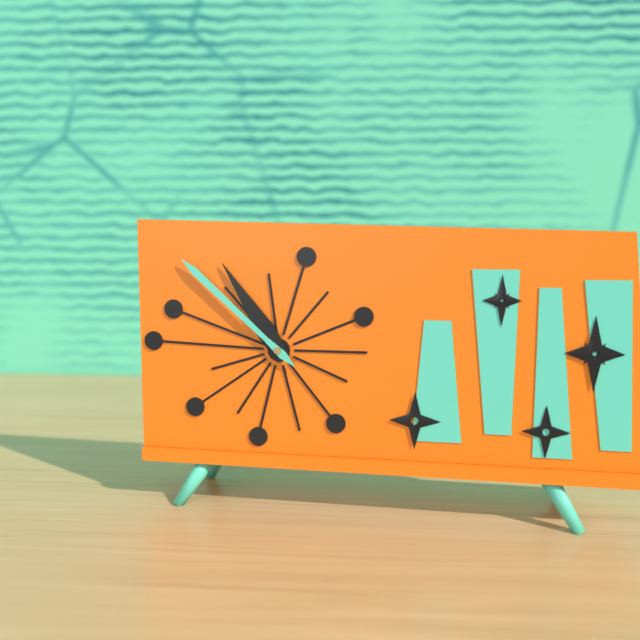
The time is 10,52
